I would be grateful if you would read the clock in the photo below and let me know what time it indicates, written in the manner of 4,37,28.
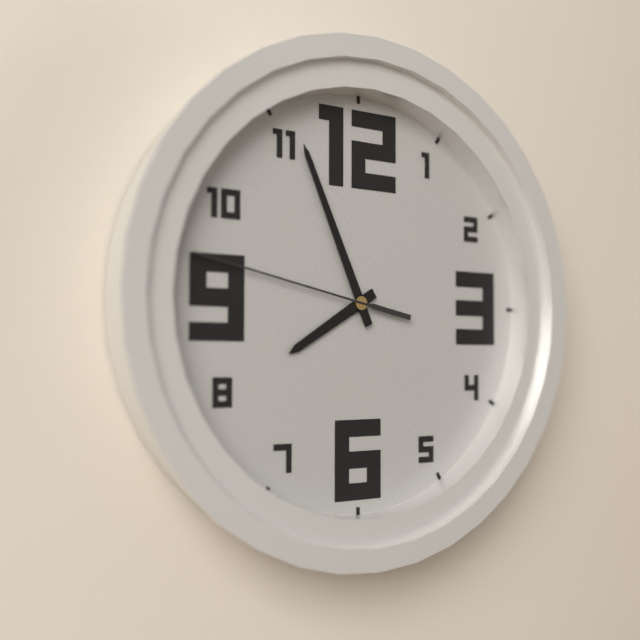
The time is 7,56,47
